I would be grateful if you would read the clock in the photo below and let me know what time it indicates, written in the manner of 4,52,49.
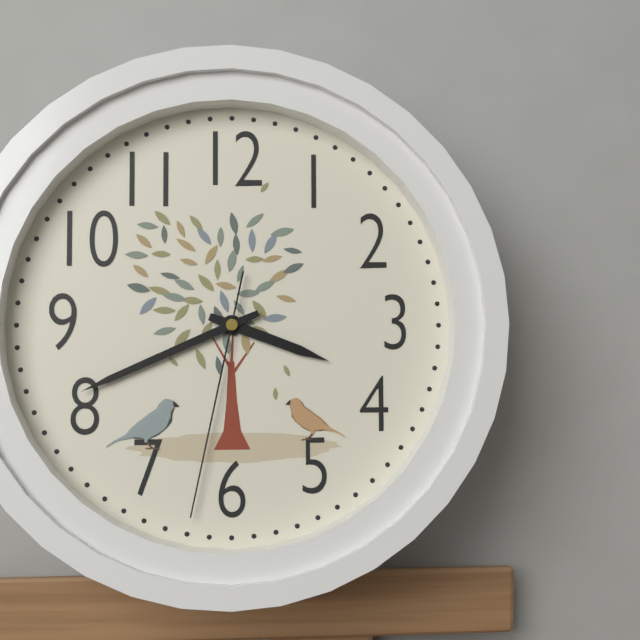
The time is 3,41,32
